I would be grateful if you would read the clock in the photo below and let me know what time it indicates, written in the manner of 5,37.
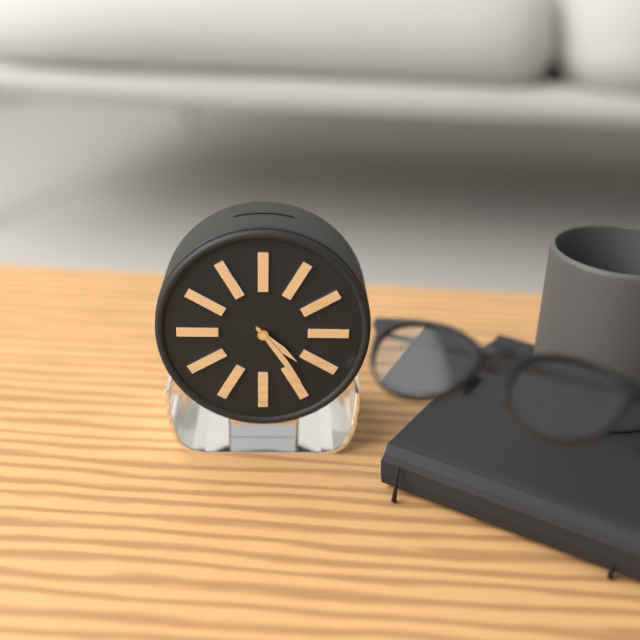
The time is 4,24
